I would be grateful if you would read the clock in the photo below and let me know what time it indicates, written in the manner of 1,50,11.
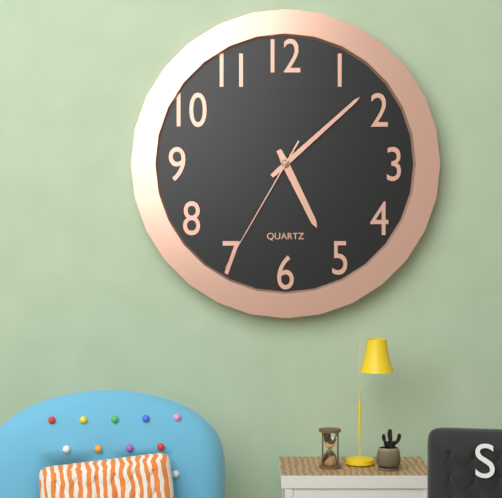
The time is 5,08,35
